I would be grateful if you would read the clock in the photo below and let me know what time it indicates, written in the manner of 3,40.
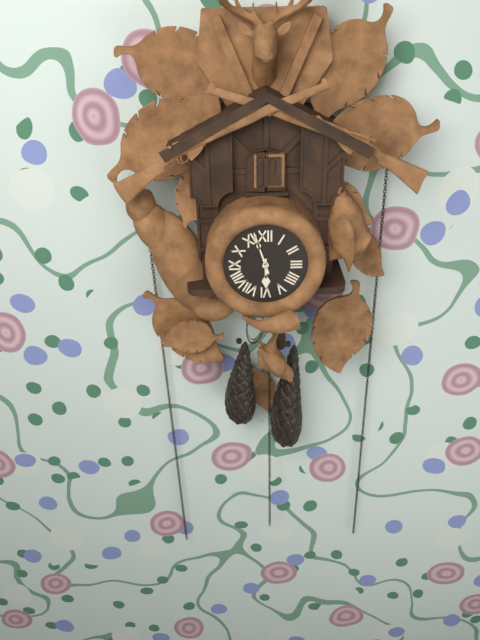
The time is 5,57
